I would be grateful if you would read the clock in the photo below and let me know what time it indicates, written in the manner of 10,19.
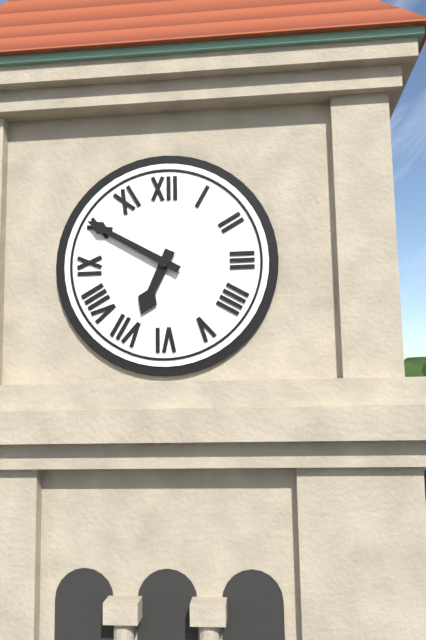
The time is 6,50
